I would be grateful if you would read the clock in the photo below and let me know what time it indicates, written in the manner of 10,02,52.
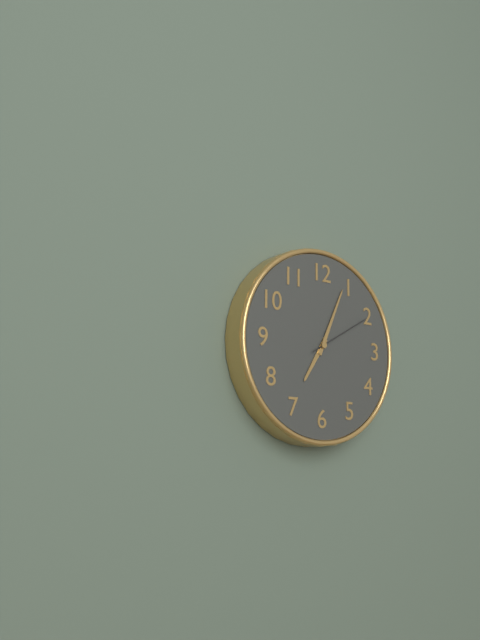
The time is 7,04,10
